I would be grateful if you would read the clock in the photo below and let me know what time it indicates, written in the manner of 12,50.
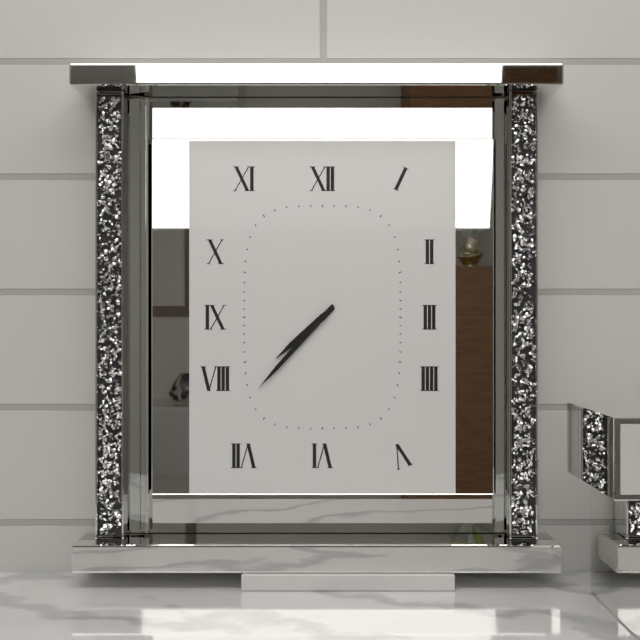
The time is 7,37
